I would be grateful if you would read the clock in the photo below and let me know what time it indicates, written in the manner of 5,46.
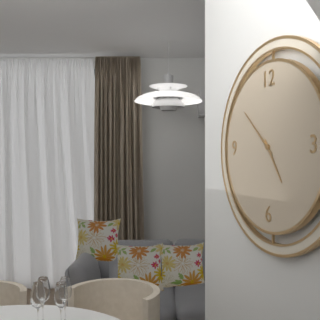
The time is 4,52
